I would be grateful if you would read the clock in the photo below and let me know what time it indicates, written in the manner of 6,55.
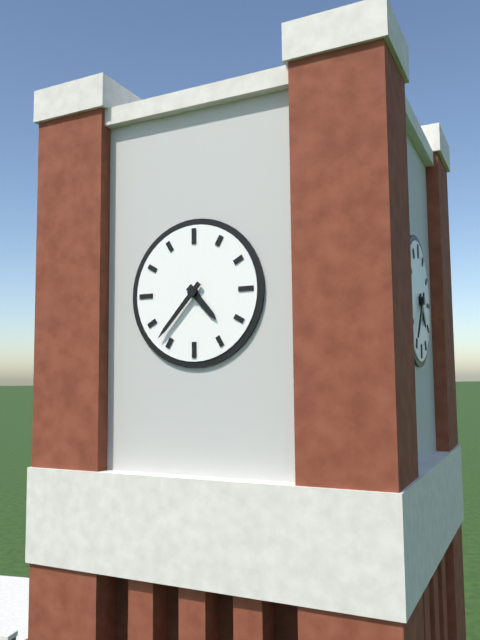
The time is 4,37
